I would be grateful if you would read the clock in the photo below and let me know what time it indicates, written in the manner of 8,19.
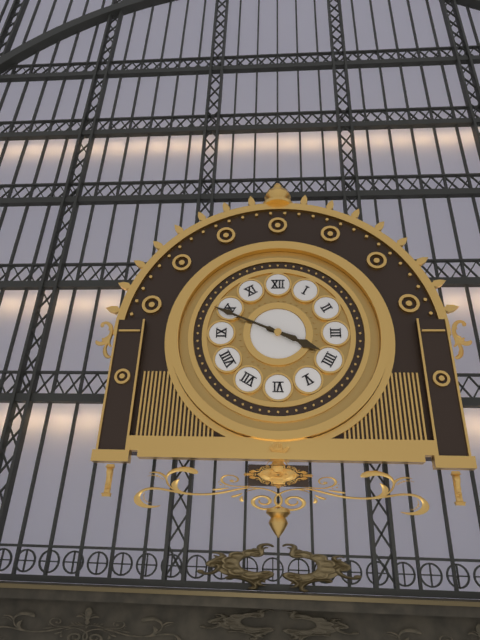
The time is 3,49
